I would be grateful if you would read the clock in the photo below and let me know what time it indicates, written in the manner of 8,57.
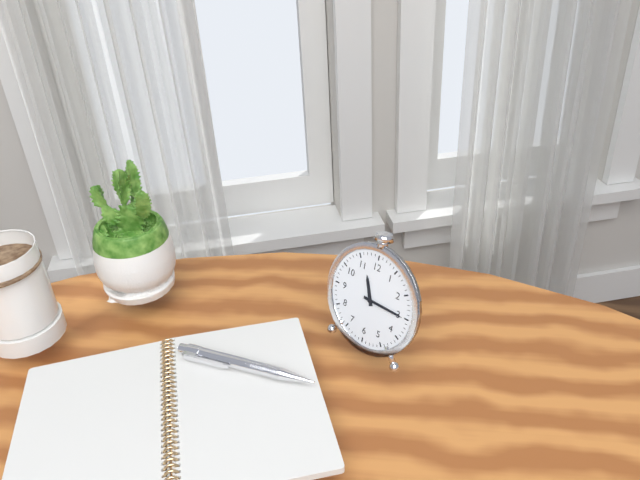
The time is 11,15
